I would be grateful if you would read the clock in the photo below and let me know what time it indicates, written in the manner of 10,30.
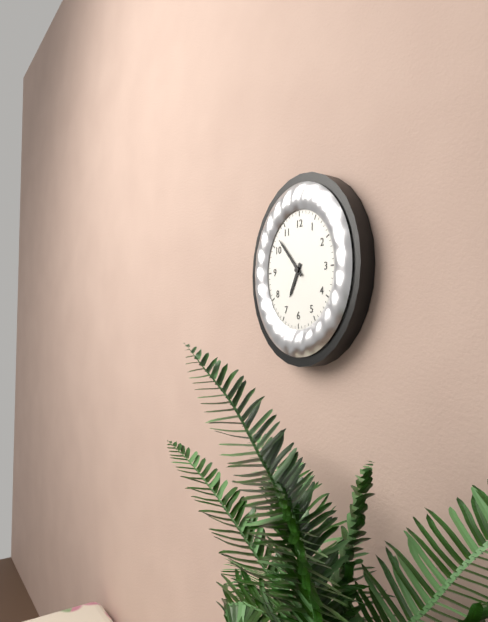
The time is 6,53
